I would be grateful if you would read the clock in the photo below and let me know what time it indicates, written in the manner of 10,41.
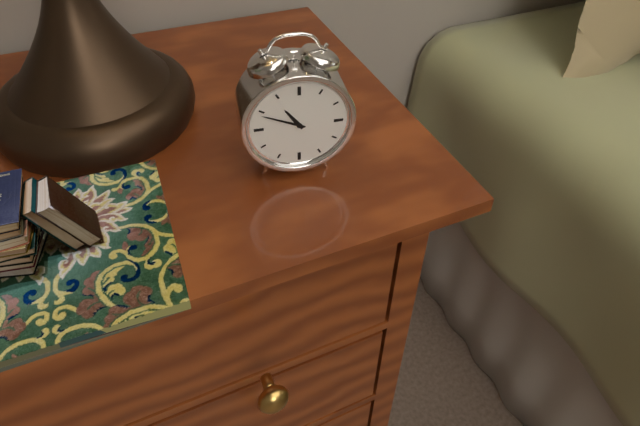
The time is 10,49
